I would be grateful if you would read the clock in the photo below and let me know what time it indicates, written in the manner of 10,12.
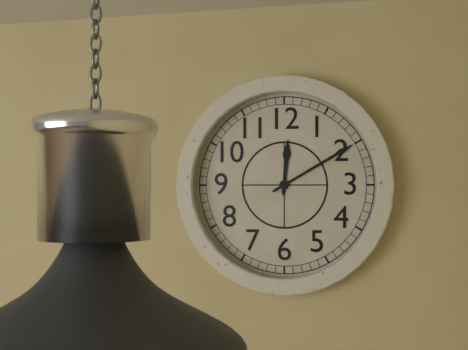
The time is 12,10
